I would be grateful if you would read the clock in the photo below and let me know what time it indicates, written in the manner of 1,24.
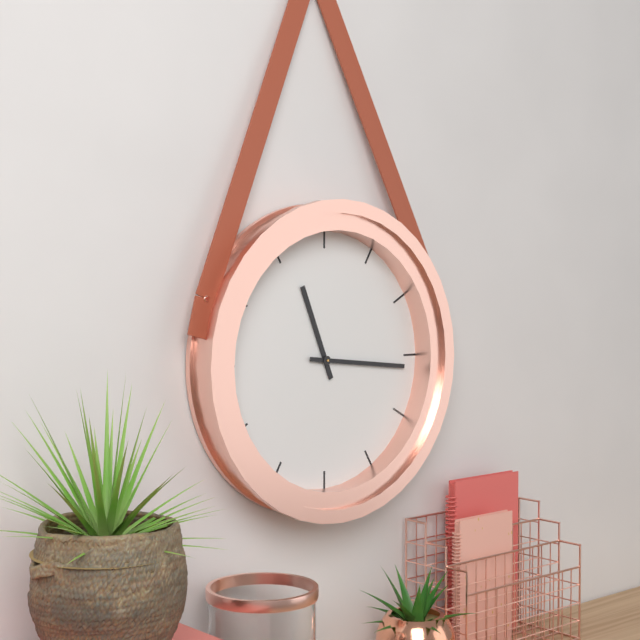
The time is 11,16
